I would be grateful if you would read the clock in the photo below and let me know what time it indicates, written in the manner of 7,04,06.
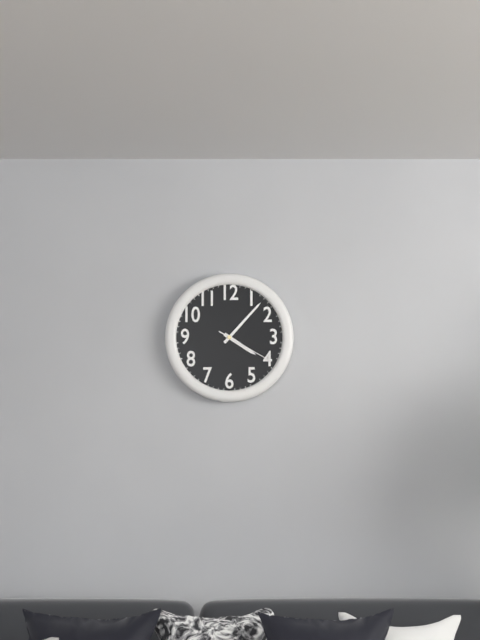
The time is 4,07,20
